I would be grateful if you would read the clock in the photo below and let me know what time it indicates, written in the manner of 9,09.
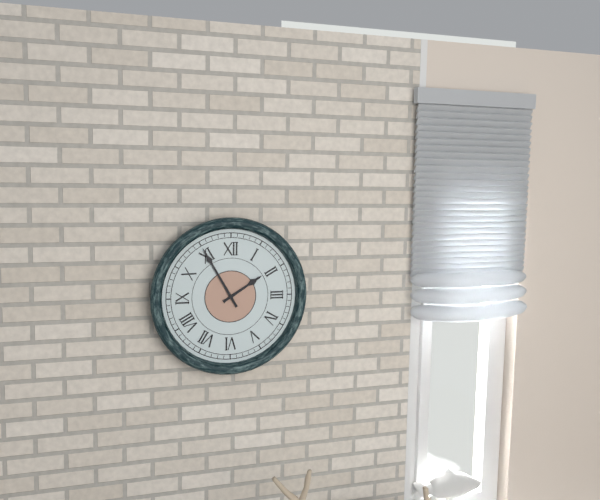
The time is 1,55
